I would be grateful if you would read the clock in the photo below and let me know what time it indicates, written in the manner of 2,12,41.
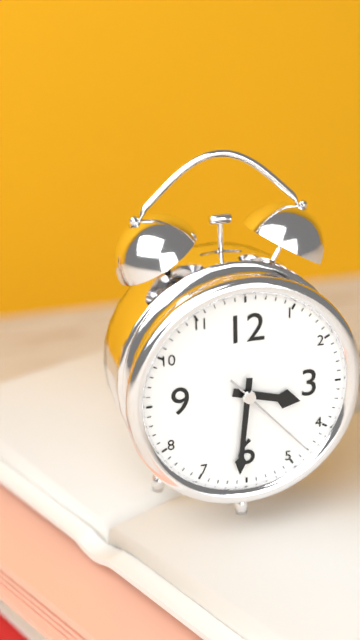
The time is 3,31,23
